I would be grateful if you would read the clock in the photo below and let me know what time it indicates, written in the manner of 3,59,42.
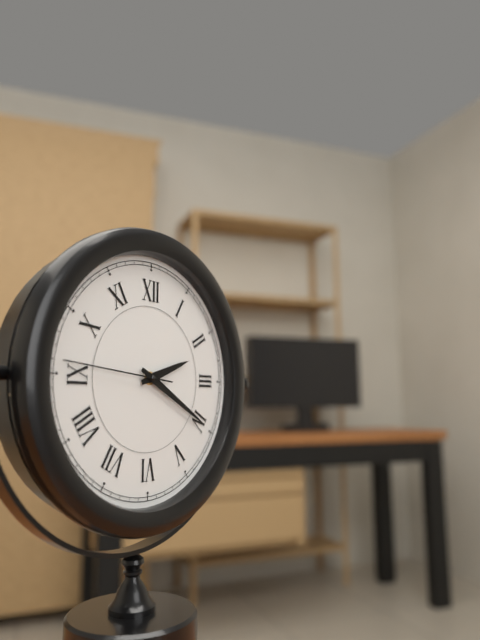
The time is 2,20,46
